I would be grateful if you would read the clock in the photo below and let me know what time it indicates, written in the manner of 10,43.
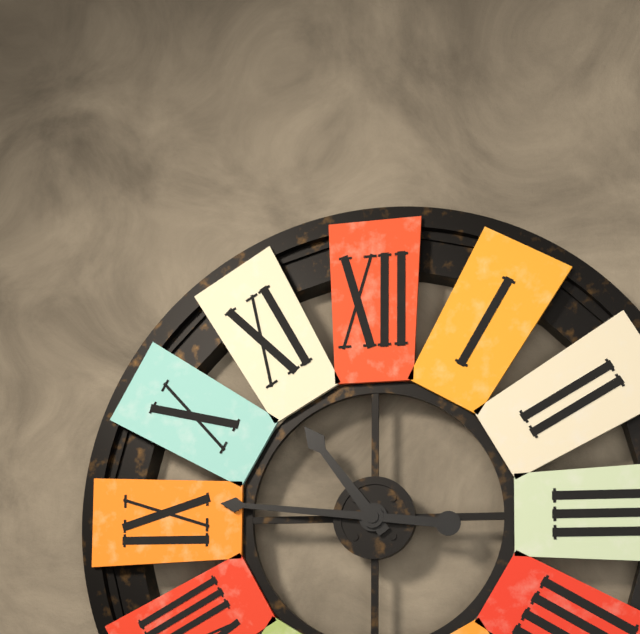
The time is 10,46
